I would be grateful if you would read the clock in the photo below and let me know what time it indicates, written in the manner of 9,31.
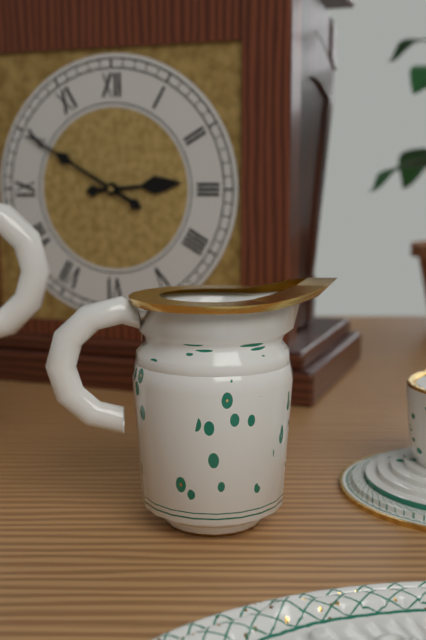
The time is 2,50
